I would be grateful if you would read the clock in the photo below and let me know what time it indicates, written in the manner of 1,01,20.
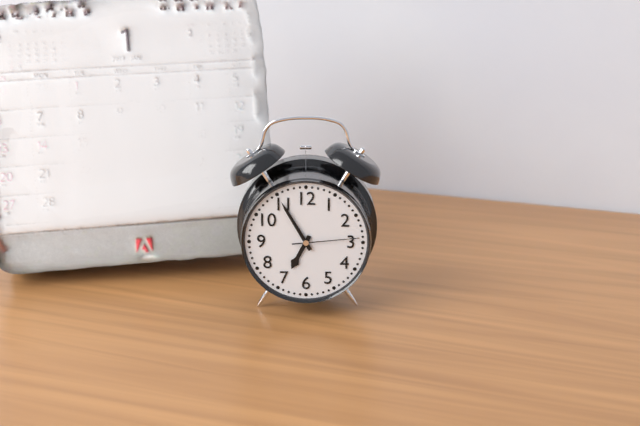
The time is 6,55,14
